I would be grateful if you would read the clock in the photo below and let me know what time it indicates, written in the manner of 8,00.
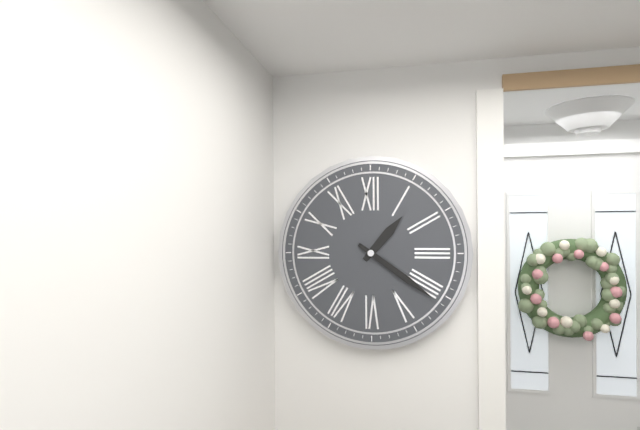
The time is 1,21
